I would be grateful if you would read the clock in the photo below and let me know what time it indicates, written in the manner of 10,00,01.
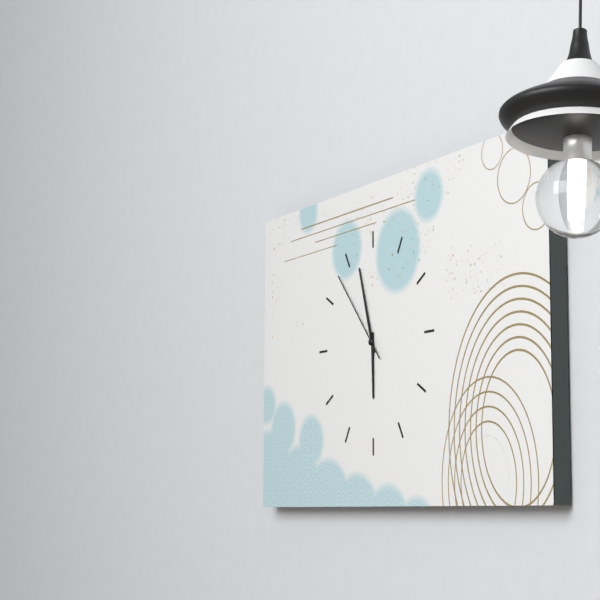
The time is 5,57,53
